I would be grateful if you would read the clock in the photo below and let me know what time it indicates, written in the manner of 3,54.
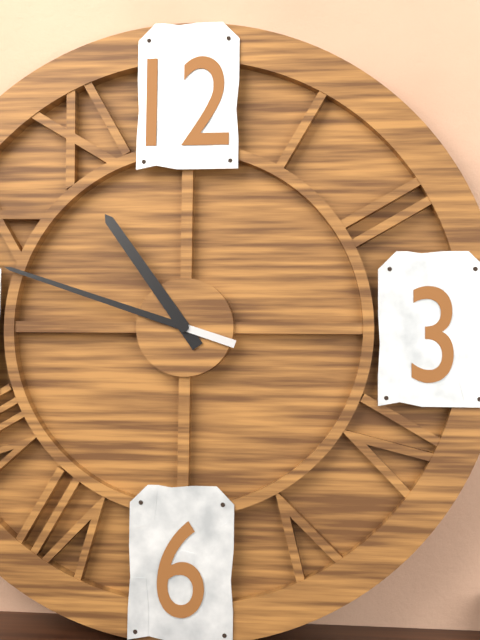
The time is 10,48
